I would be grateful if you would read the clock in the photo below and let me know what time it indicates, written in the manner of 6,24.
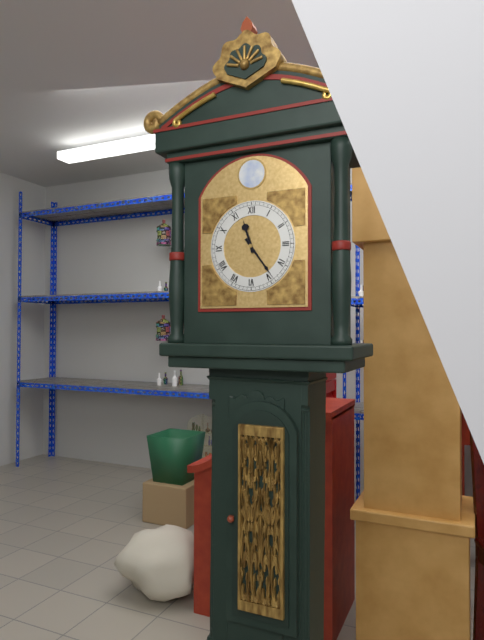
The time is 11,24
